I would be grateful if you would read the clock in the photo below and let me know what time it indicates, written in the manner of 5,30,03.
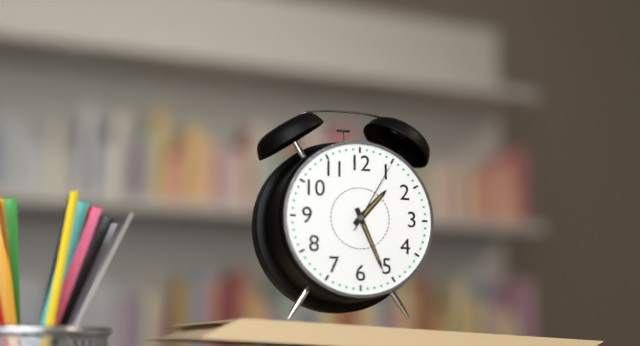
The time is 1,26,05
